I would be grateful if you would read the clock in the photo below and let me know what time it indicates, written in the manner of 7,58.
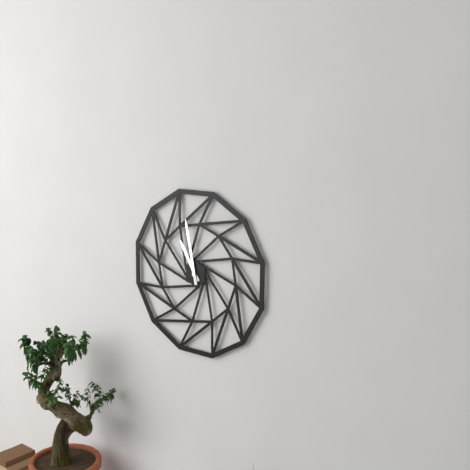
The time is 10,58
